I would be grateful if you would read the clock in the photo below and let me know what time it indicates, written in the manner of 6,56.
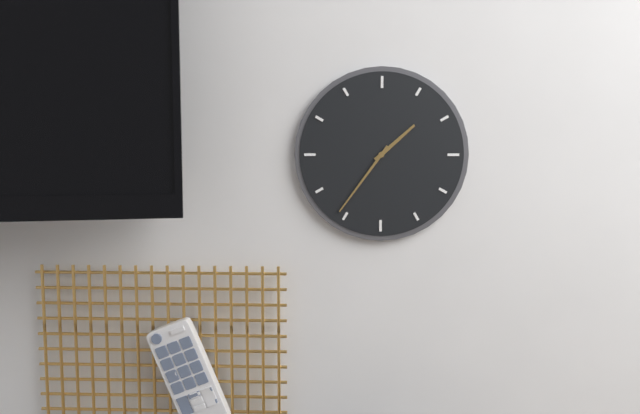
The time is 1,36
